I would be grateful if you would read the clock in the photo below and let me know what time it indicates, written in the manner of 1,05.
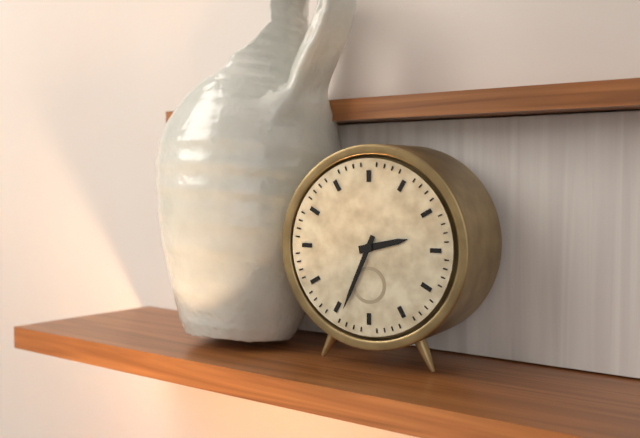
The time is 2,34
